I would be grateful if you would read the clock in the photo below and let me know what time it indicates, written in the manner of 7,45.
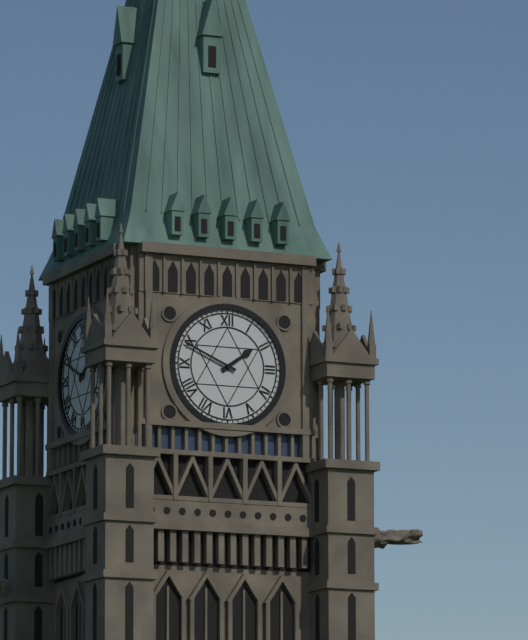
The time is 1,49
